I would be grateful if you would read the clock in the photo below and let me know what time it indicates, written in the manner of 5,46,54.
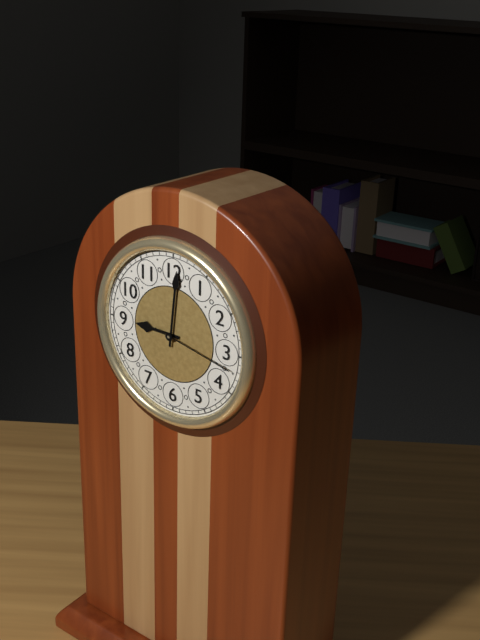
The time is 9,01,17
